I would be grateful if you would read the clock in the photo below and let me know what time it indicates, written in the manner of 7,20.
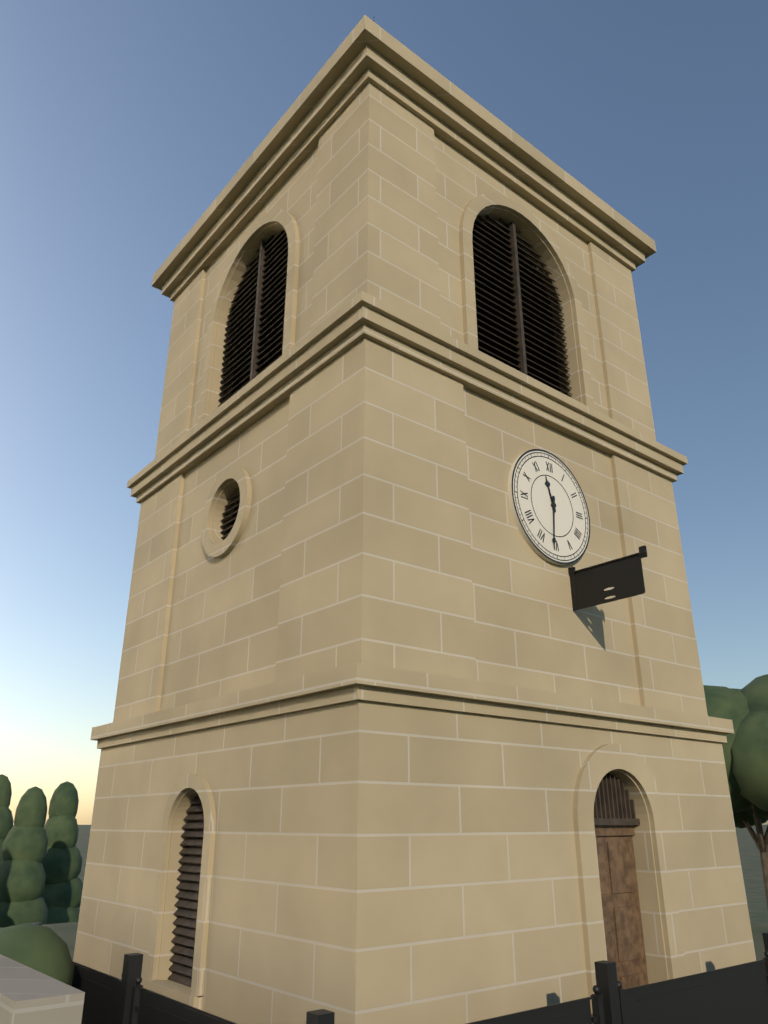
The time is 11,31
